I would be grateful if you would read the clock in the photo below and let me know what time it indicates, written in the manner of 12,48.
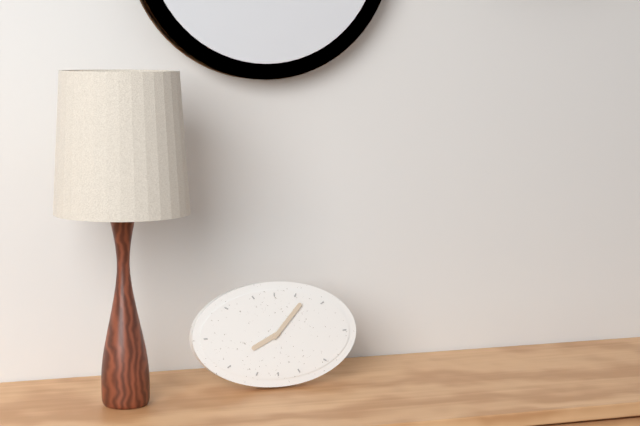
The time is 8,07
